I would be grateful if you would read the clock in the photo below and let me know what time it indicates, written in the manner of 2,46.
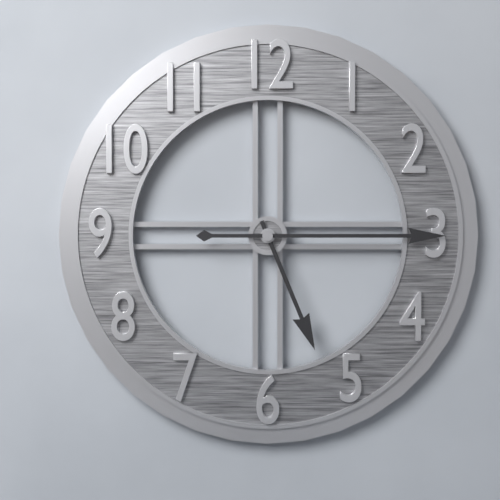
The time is 5,15
